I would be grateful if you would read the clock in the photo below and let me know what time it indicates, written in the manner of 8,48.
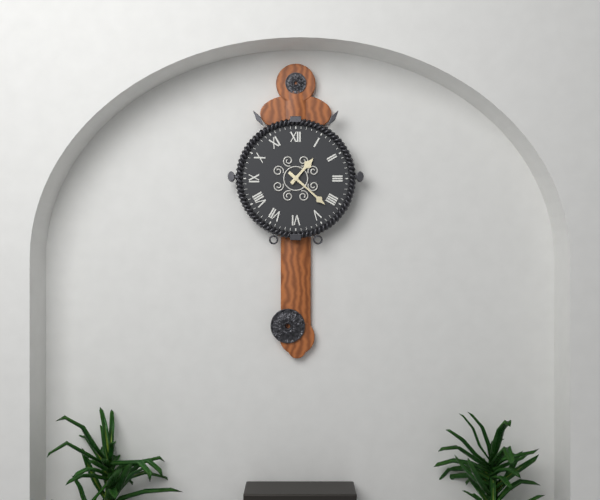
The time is 1,22
